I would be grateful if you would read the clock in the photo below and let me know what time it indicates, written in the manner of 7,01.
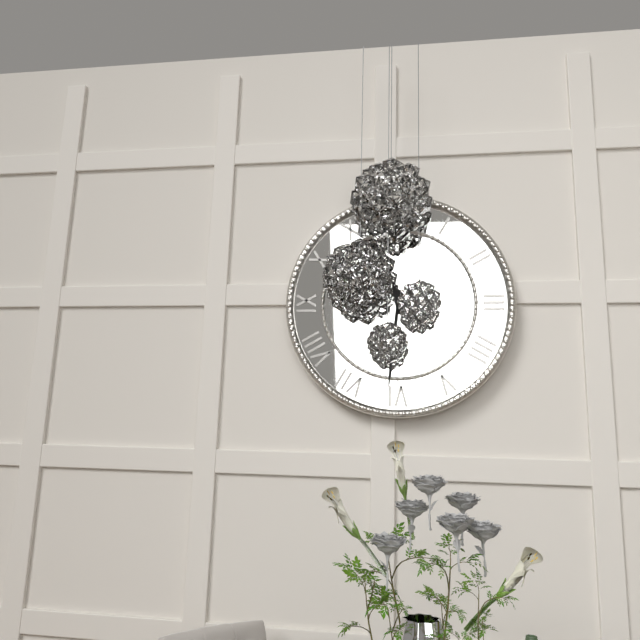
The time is 11,31
